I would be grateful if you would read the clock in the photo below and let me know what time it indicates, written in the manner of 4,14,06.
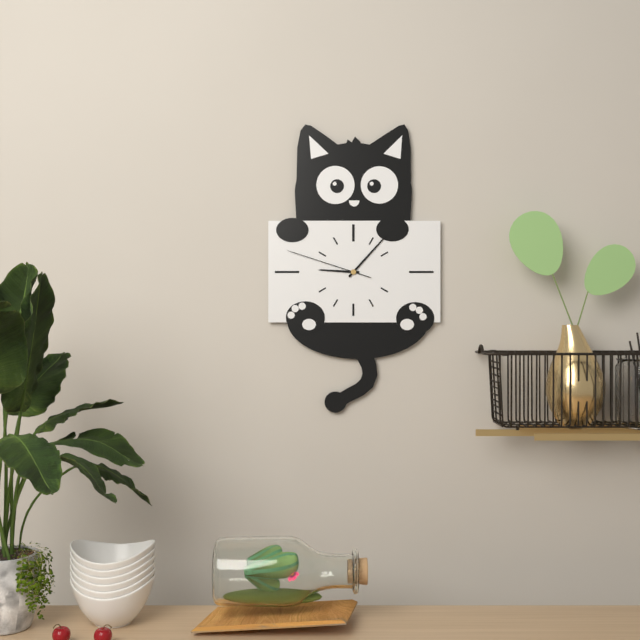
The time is 9,07,48
